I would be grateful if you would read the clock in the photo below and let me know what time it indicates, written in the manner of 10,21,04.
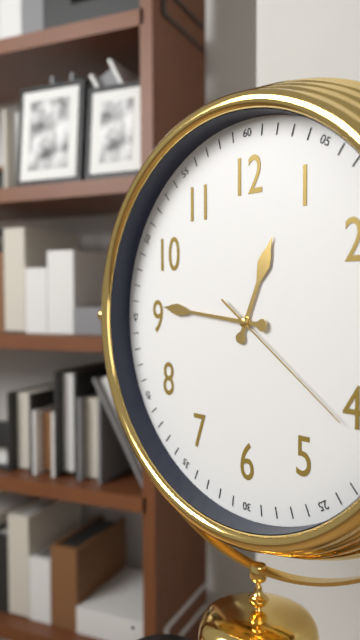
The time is 12,46,21
